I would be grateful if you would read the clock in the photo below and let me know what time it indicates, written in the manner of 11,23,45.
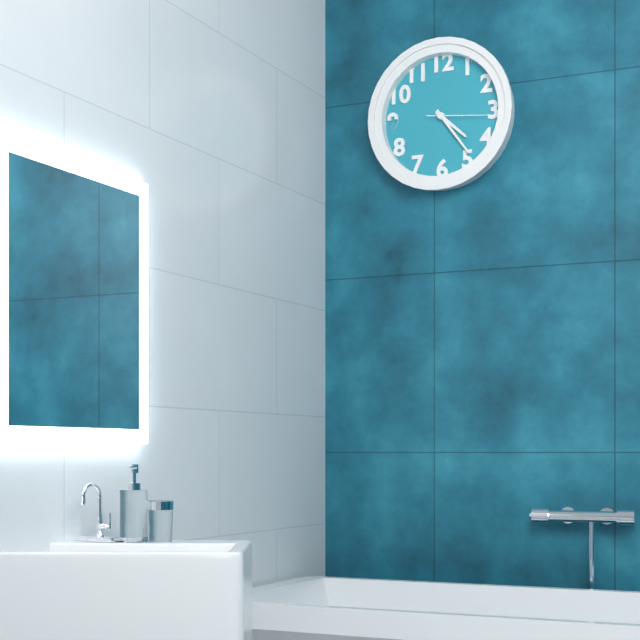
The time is 4,24,16
